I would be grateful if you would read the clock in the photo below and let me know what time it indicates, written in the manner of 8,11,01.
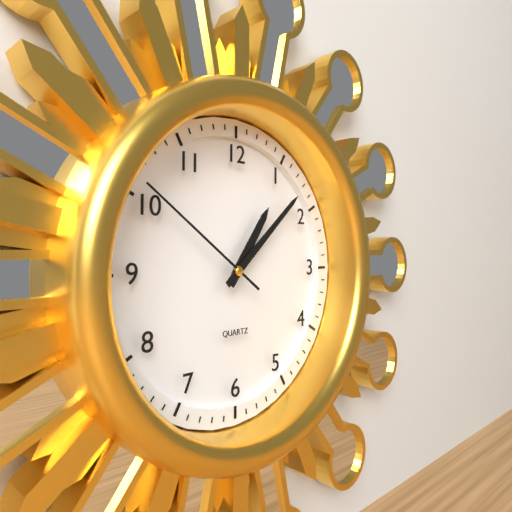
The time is 1,08,51
